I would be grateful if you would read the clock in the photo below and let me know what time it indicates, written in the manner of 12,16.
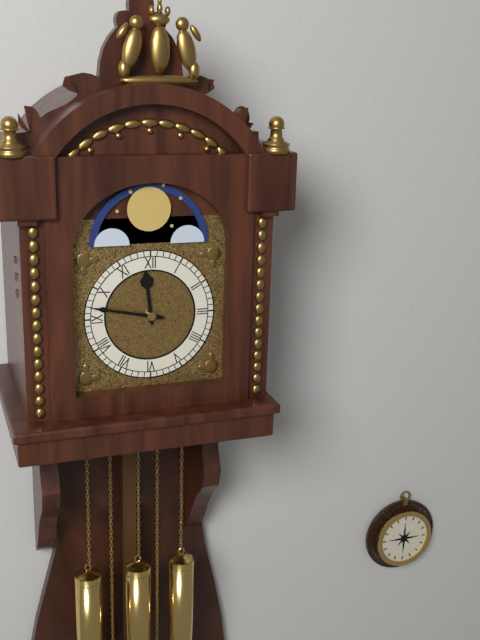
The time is 11,47
